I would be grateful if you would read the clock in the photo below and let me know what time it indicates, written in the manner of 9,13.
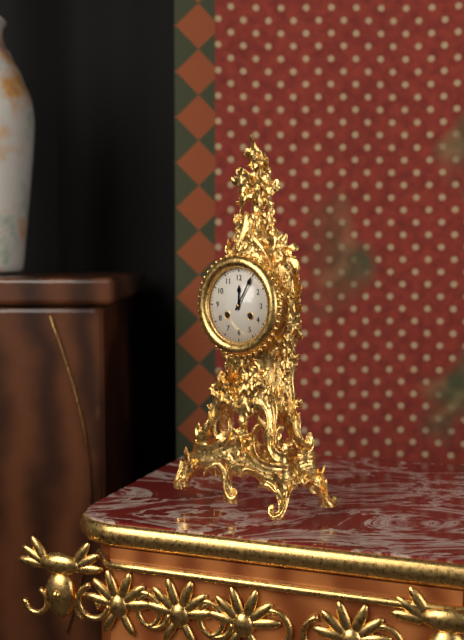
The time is 12,05
